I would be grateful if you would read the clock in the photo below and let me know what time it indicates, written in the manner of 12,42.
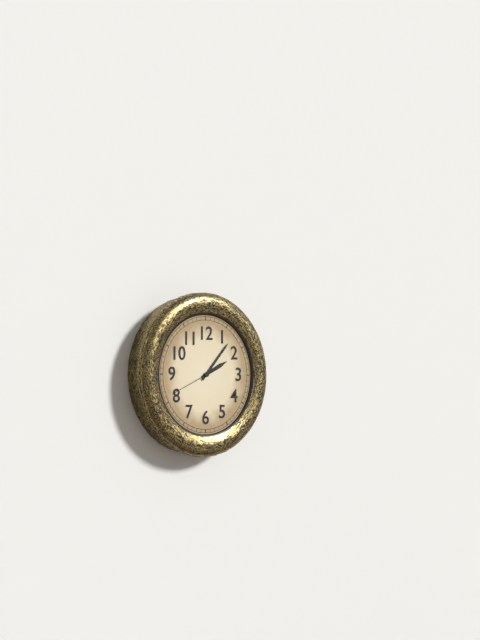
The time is 2,07
